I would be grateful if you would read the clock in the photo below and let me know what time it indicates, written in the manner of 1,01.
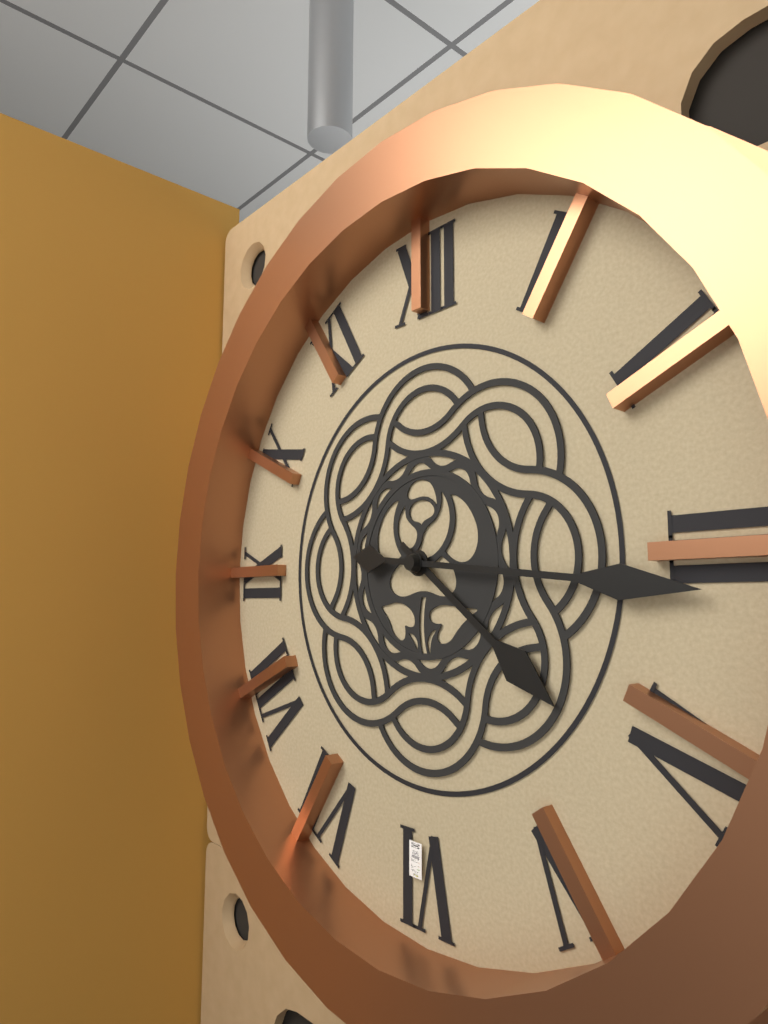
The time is 4,16
